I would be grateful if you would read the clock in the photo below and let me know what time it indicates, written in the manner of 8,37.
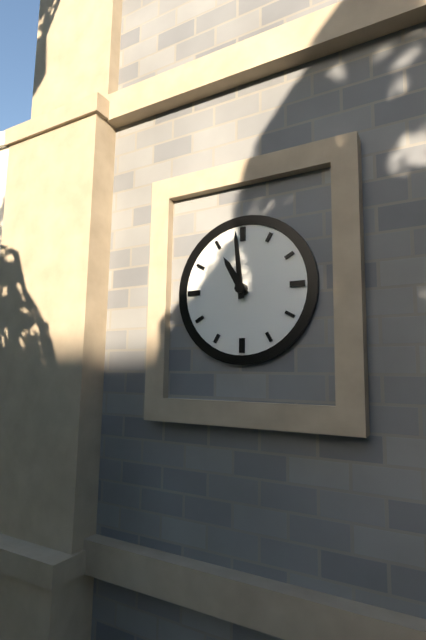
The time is 10,59
